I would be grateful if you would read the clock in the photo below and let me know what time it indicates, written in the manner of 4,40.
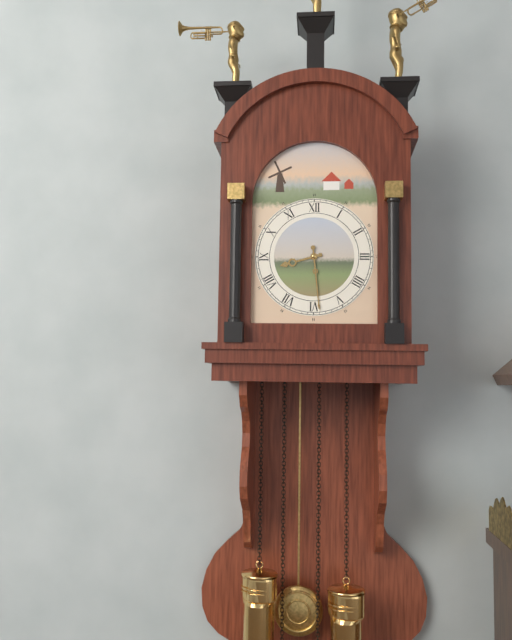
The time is 8,29
